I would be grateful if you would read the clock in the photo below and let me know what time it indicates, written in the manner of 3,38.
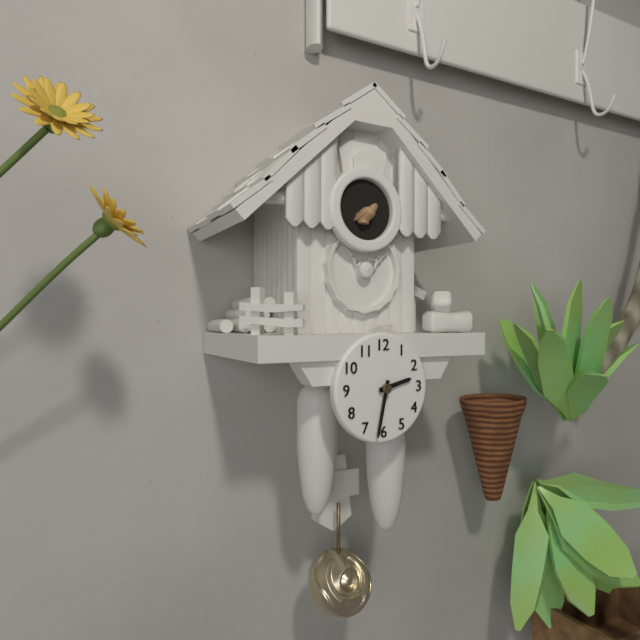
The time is 2,32
